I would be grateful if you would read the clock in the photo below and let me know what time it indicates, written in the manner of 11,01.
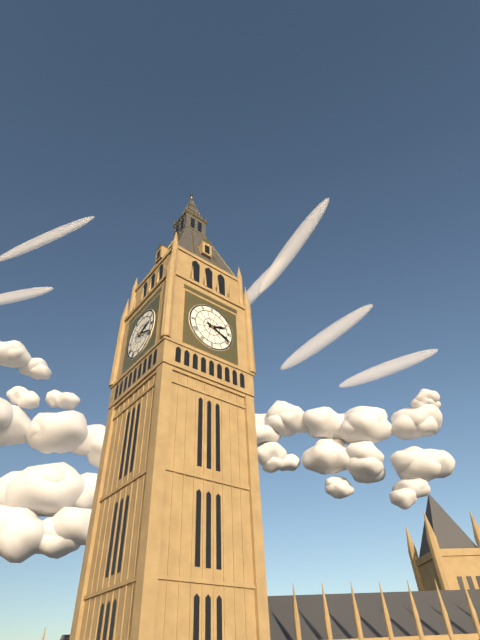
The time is 2,19
